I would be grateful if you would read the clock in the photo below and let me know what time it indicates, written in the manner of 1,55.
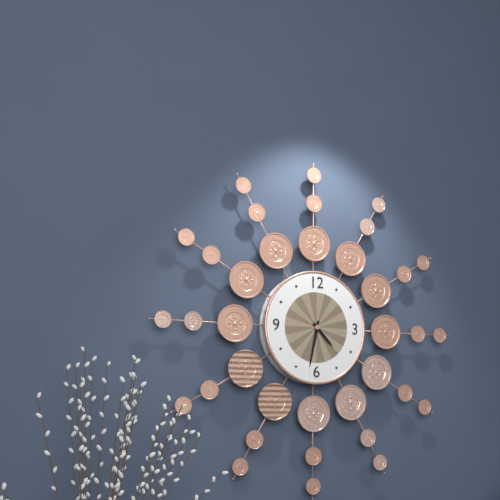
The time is 4,32
